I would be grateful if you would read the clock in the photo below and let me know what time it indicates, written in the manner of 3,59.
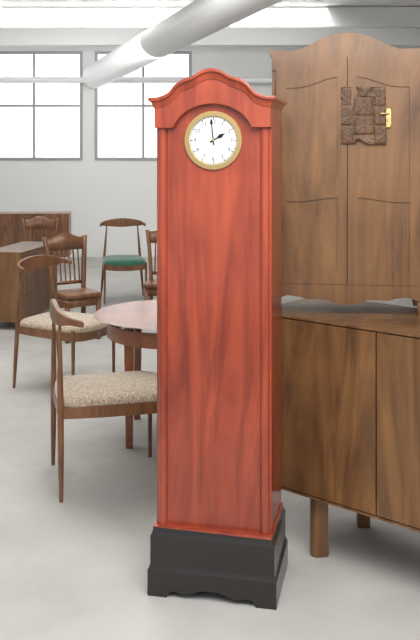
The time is 1,59
